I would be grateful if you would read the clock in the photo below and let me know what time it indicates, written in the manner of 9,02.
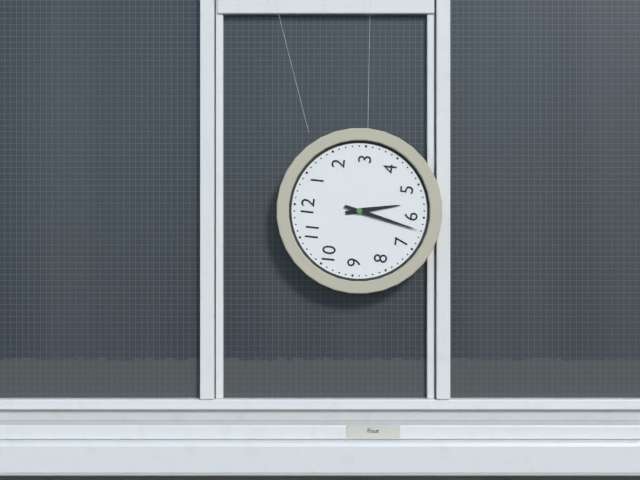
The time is 5,32
